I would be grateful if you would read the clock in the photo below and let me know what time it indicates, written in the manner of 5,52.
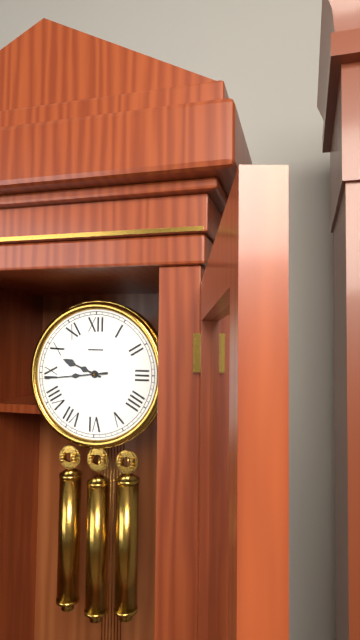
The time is 9,44
